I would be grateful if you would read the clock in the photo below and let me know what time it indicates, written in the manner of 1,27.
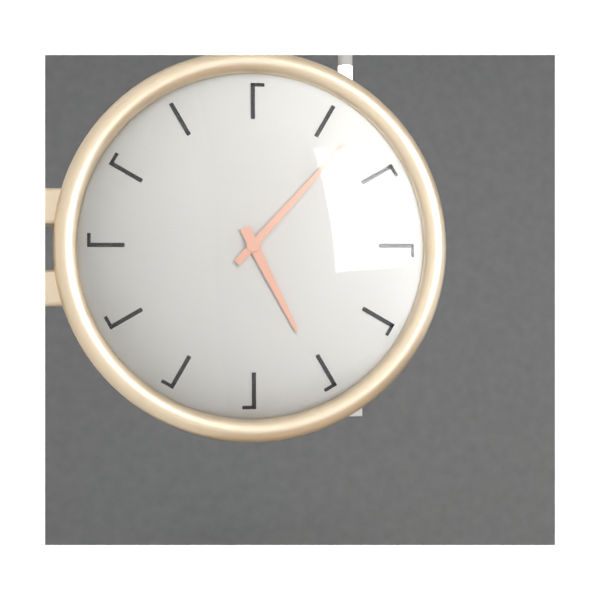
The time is 5,07
